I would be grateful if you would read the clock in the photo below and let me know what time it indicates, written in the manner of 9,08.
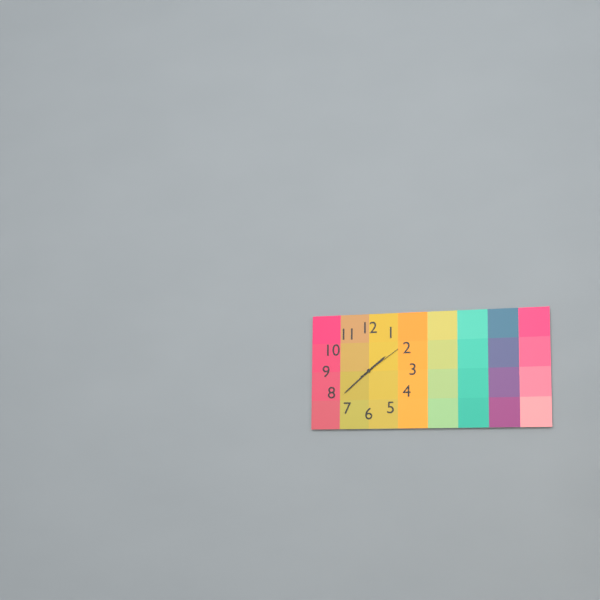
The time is 1,38
